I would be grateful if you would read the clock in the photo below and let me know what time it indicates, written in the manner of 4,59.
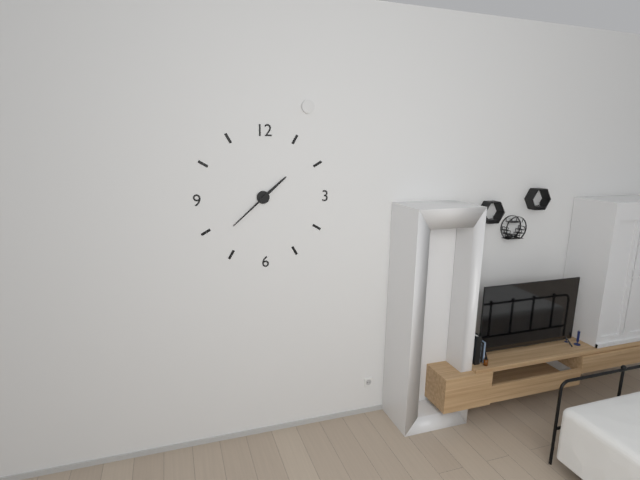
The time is 1,38
